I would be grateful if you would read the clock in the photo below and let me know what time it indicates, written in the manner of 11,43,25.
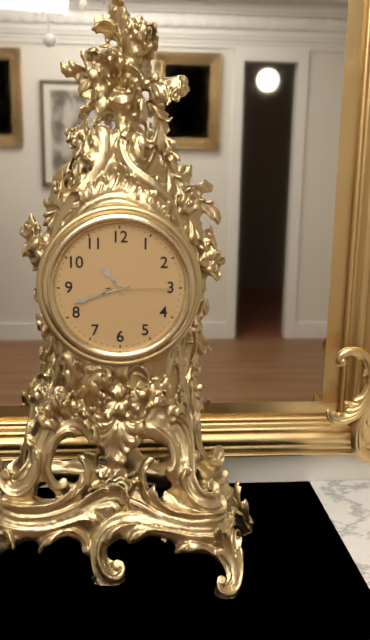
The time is 10,42,15
